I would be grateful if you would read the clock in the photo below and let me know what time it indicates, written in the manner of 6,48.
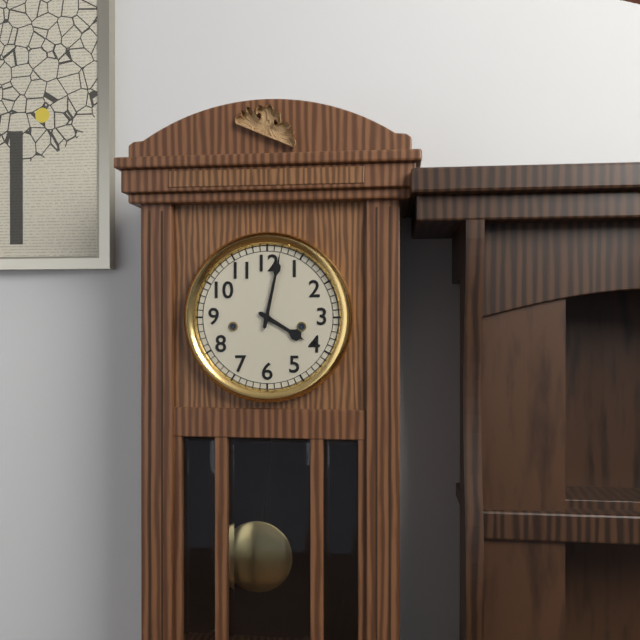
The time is 4,02
